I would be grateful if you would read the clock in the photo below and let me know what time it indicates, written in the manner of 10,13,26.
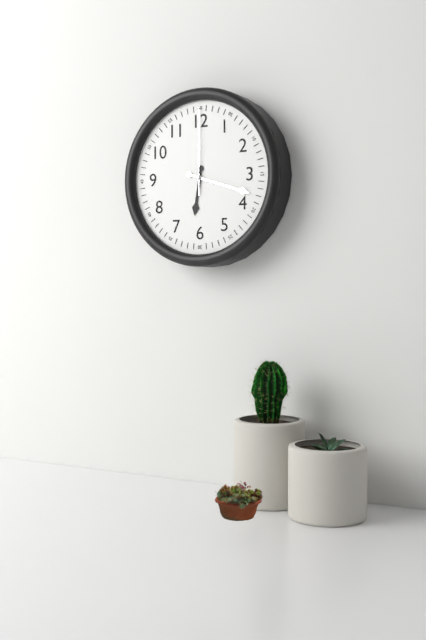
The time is 6,18,00
